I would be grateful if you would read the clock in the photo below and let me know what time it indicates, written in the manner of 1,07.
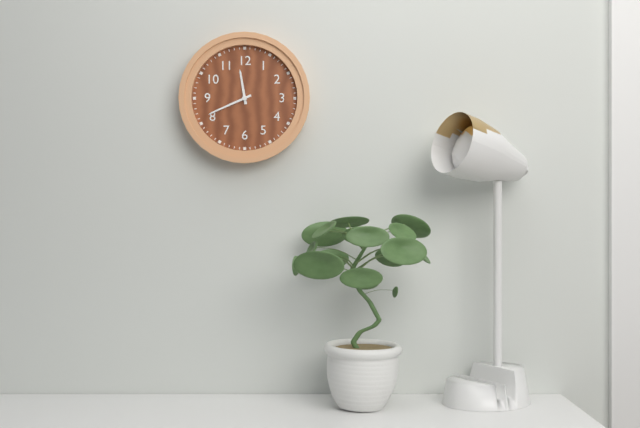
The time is 11,41
